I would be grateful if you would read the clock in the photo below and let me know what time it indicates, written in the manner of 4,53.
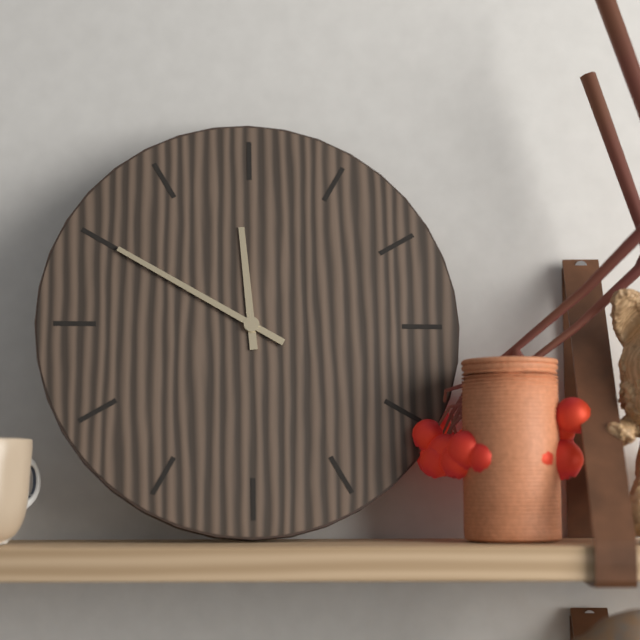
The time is 11,50
